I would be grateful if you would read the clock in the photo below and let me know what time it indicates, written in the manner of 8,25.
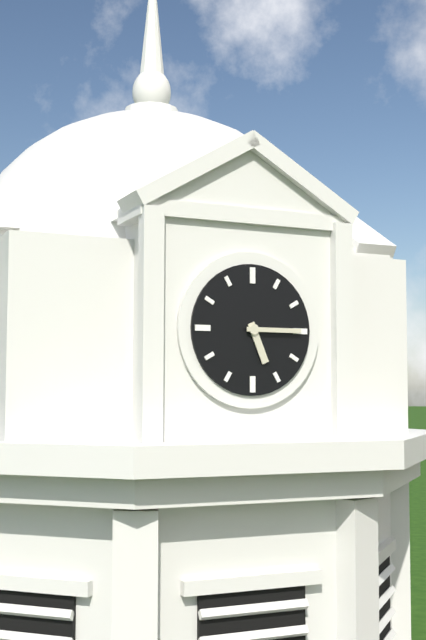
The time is 5,15
